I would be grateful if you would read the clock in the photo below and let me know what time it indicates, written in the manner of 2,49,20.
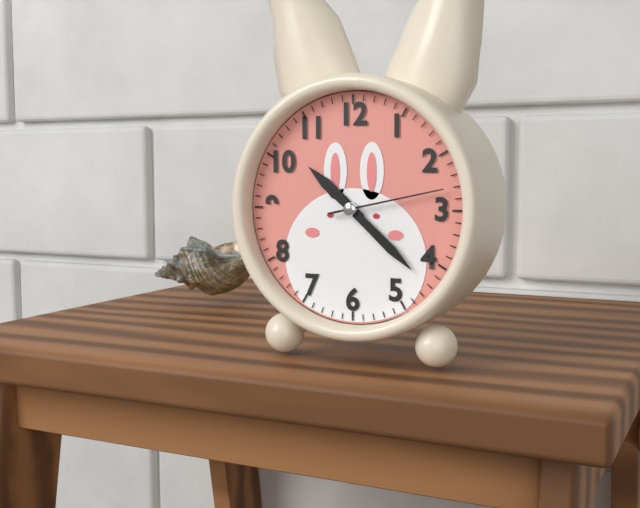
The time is 10,22,13
